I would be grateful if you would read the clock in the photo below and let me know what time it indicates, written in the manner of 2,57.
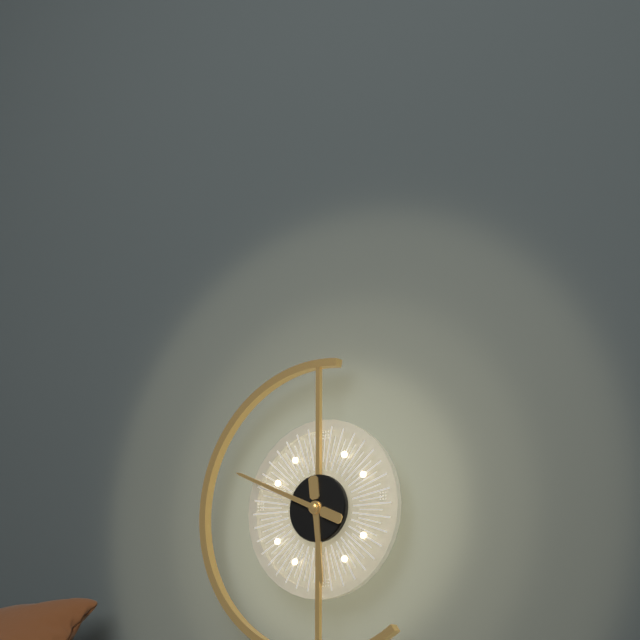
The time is 5,49
